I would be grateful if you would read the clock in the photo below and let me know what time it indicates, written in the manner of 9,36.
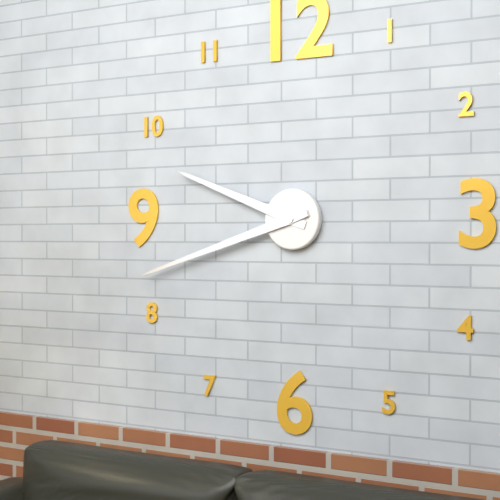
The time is 9,42
